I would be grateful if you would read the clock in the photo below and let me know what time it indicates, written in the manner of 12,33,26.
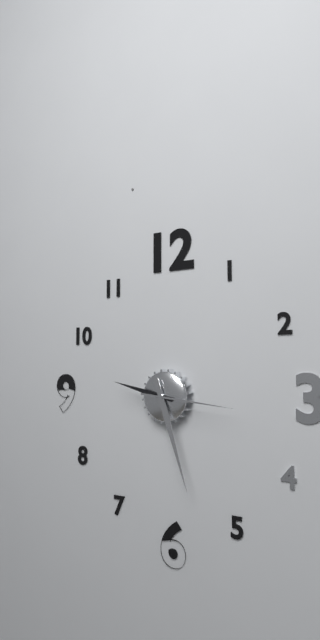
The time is 9,27,16
